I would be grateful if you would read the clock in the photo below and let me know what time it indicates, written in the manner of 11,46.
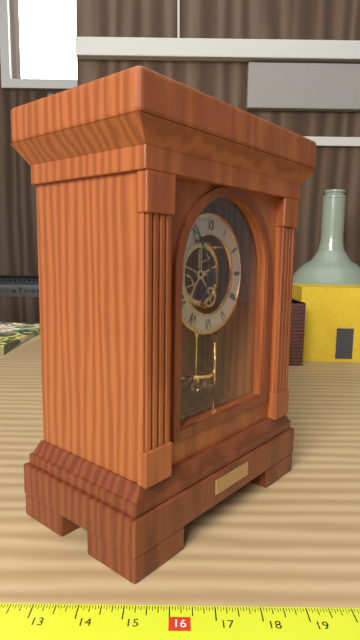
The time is 6,55
